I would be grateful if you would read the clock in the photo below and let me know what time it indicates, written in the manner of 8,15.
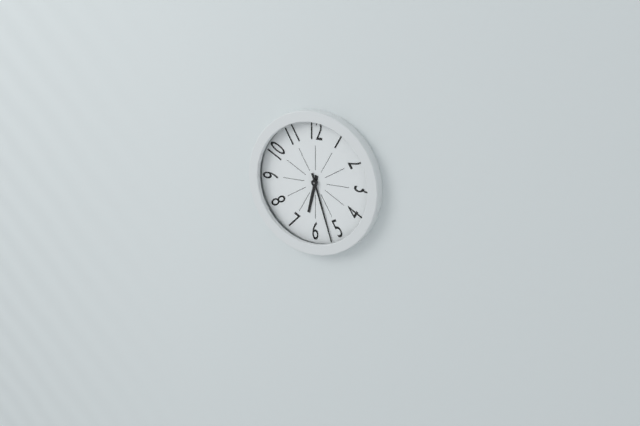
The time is 6,27
